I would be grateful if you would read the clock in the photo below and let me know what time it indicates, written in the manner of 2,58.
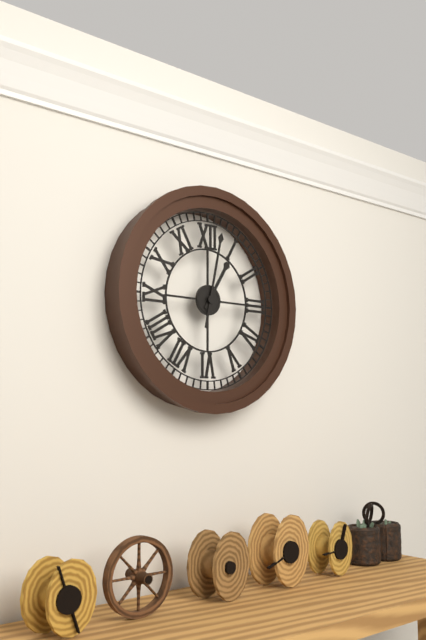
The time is 1,02
